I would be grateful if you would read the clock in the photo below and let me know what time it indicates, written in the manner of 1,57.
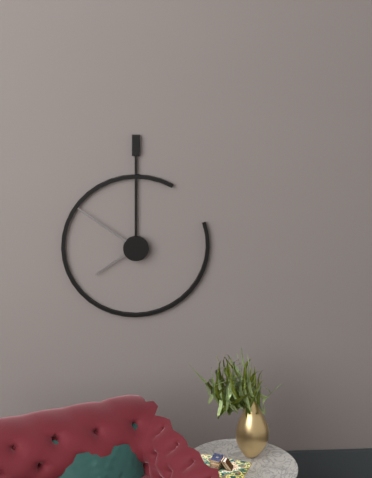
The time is 7,51
